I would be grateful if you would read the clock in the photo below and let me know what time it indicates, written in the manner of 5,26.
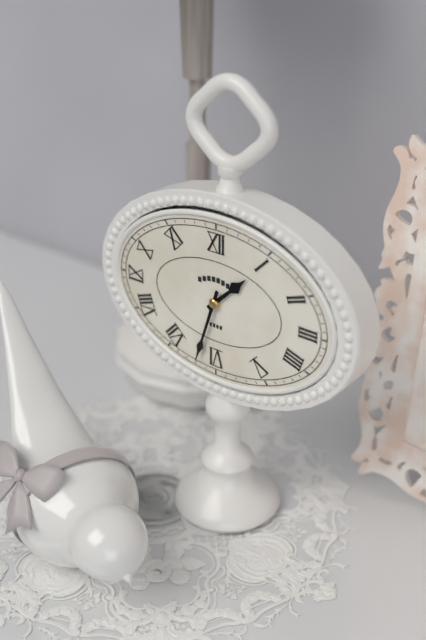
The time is 1,33
